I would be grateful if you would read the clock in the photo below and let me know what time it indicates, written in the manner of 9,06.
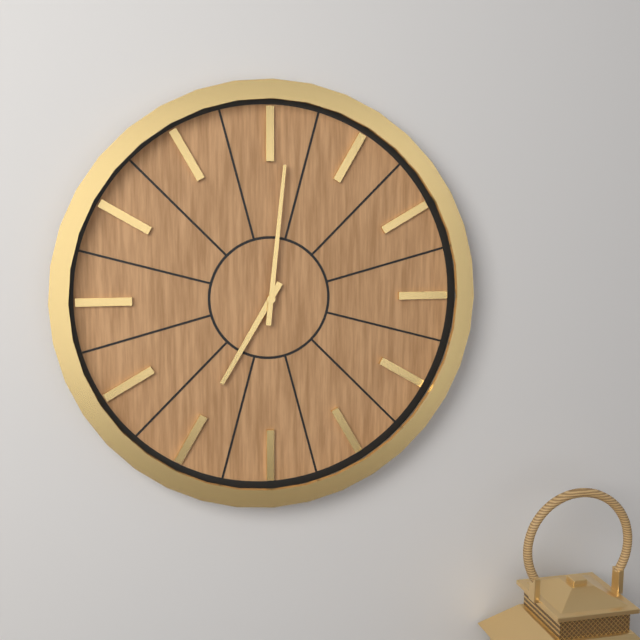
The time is 7,01
